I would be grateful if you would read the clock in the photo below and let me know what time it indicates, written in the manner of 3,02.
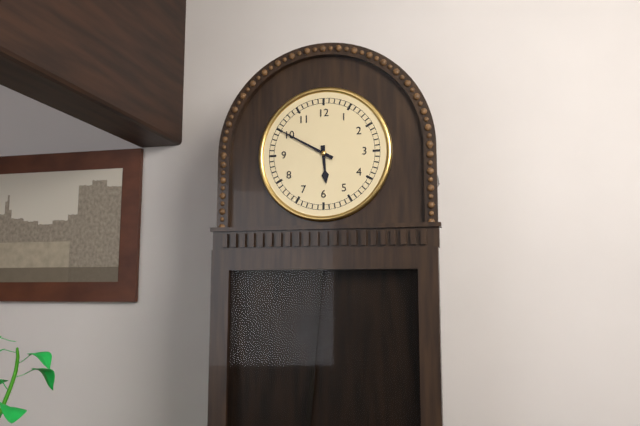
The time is 5,50
